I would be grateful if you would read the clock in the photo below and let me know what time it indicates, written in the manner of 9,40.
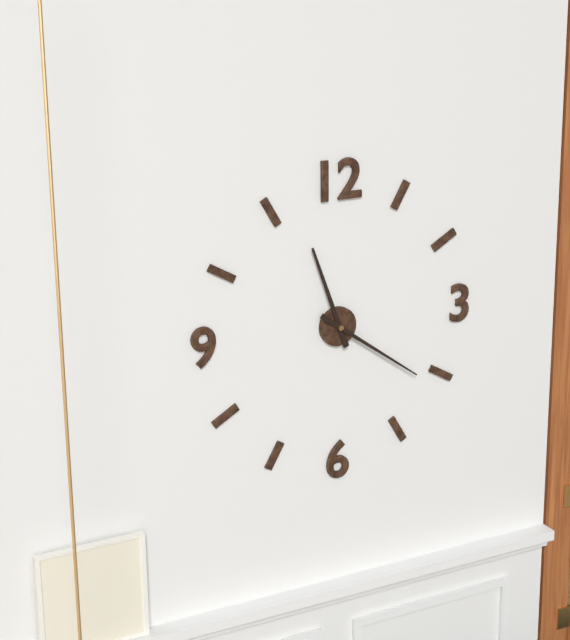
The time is 11,21
